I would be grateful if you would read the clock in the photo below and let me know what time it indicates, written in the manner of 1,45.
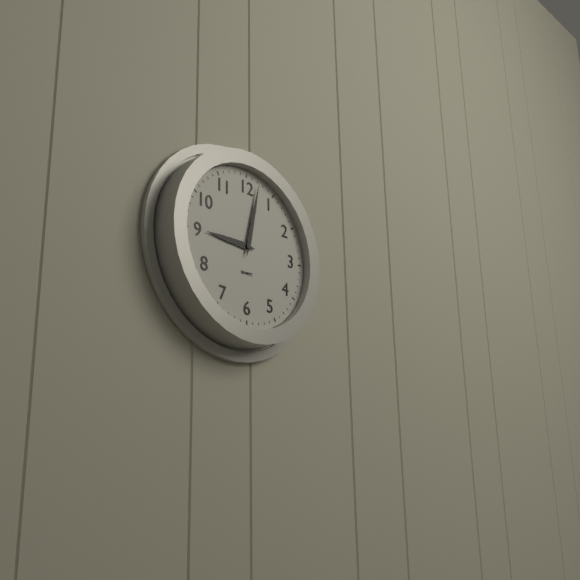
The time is 9,02
